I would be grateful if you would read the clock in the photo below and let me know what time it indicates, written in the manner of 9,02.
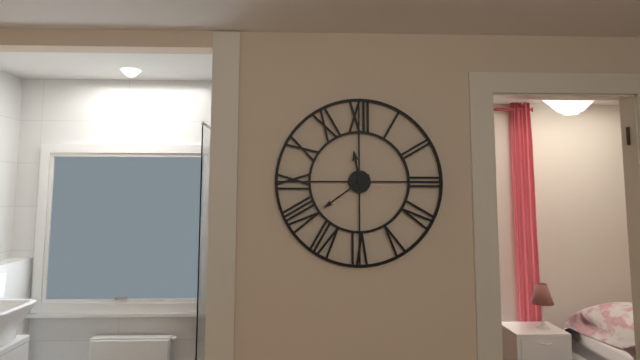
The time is 11,39
